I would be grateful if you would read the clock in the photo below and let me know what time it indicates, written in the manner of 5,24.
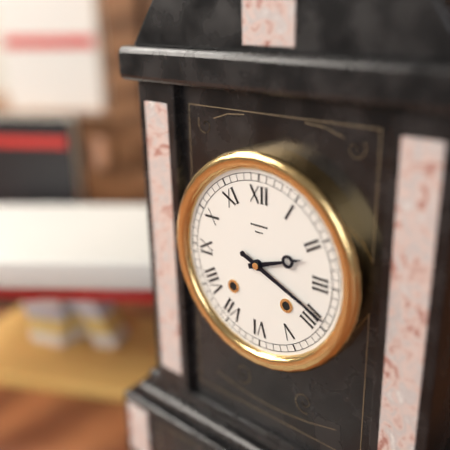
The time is 2,19
